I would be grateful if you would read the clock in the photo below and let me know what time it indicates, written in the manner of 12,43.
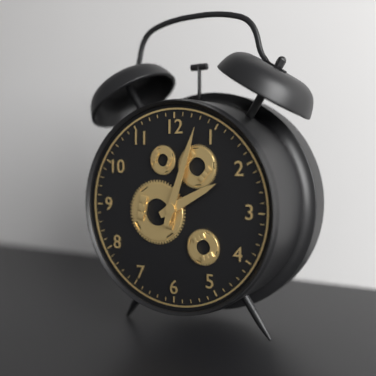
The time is 2,03
